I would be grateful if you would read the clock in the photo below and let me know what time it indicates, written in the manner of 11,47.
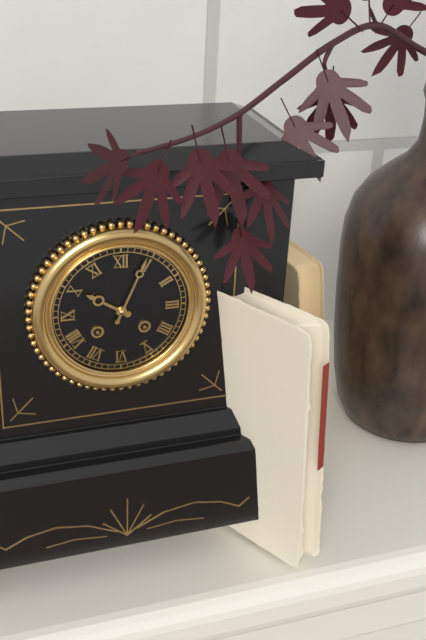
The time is 10,04
